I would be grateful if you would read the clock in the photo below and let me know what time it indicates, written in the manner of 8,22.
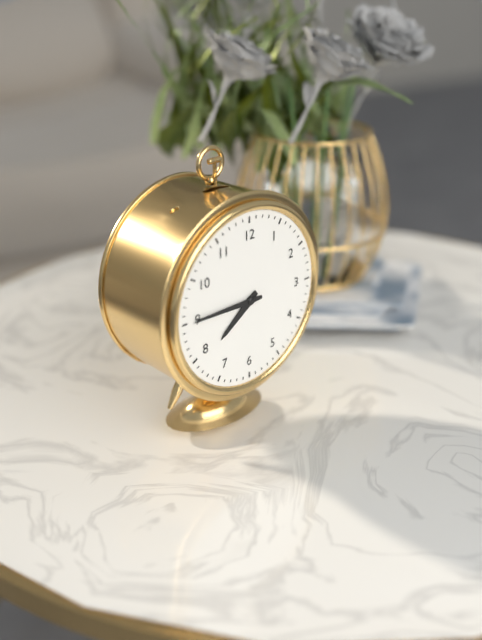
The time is 7,45
